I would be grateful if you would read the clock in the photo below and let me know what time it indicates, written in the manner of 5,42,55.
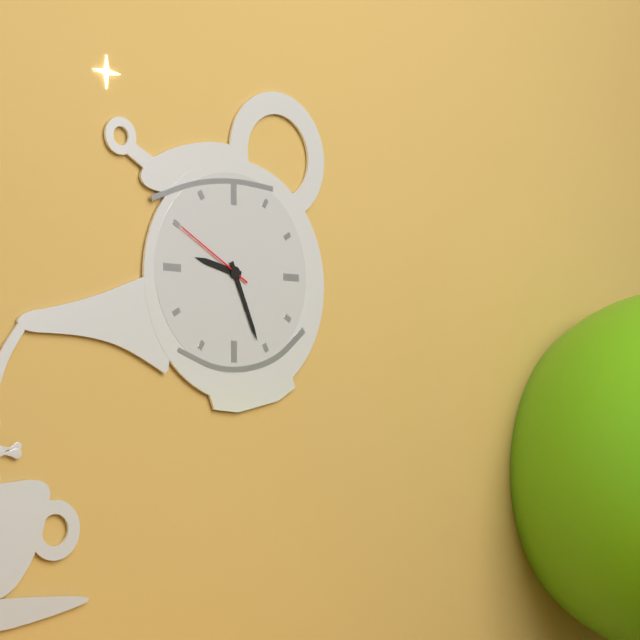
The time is 9,26,50
